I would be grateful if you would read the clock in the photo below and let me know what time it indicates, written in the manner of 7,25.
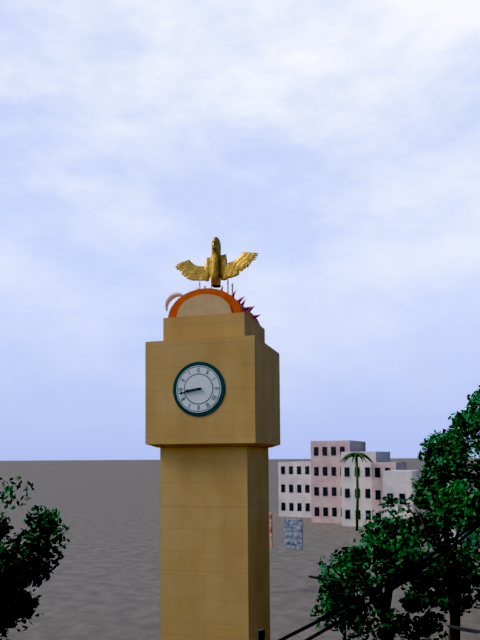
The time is 8,43
